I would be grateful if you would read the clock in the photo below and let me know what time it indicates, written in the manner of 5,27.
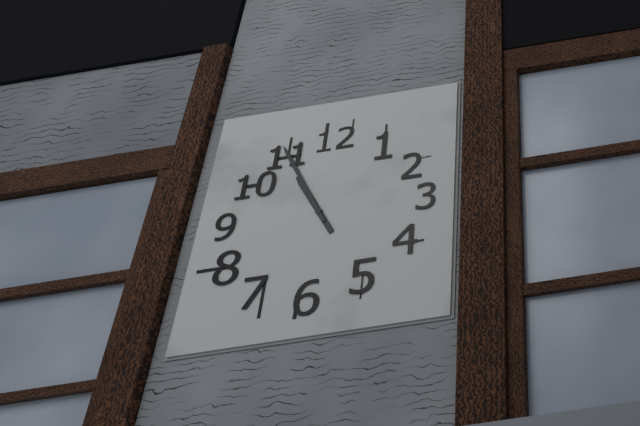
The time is 10,55
